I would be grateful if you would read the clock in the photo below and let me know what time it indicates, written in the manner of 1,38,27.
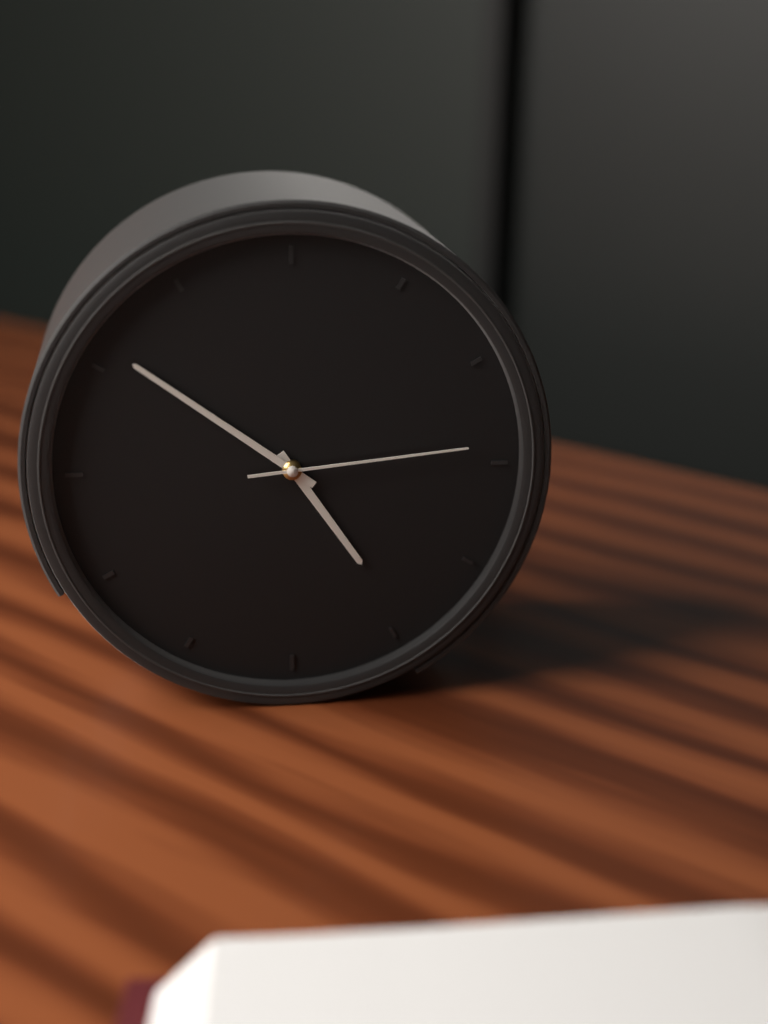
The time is 4,51,14
